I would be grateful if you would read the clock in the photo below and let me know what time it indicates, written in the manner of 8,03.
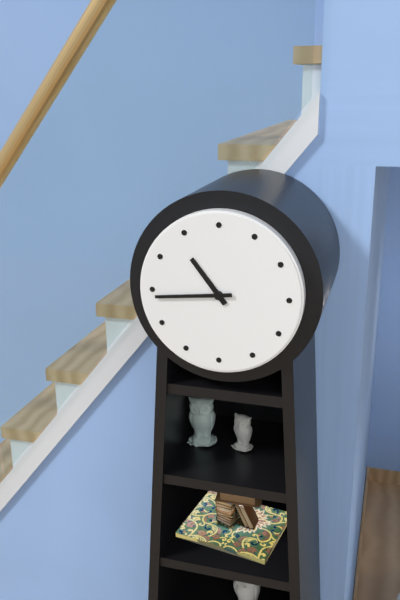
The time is 10,44
